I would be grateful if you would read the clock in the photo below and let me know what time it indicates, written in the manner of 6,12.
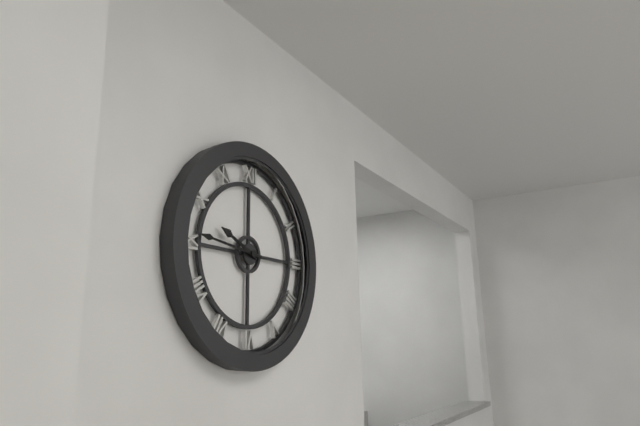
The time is 9,46
